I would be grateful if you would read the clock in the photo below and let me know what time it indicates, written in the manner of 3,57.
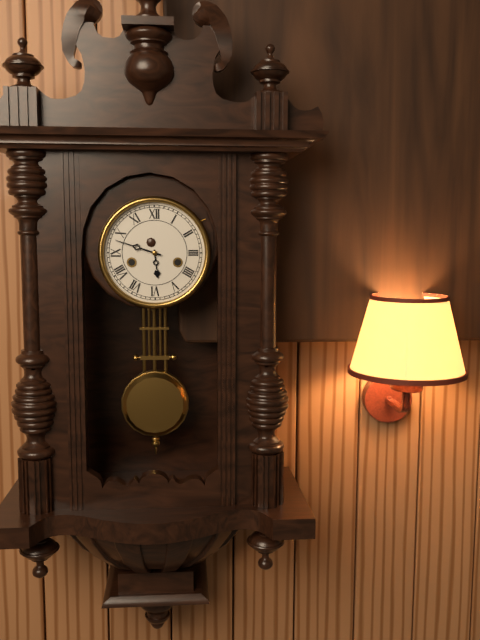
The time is 5,48
